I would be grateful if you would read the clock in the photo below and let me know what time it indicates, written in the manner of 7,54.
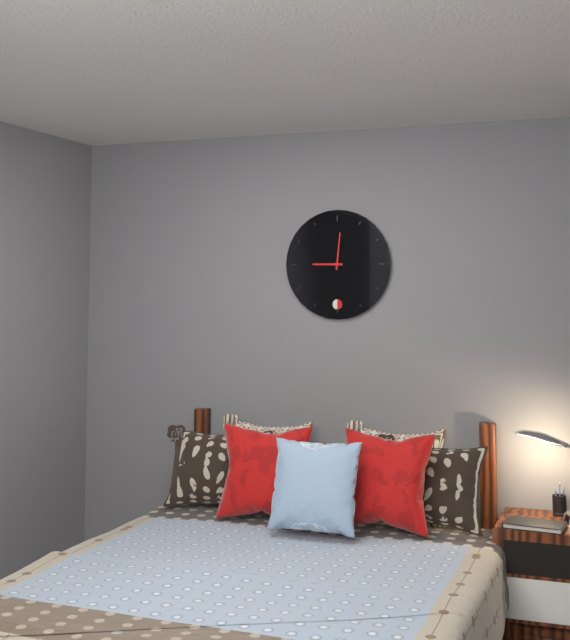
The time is 9,01
